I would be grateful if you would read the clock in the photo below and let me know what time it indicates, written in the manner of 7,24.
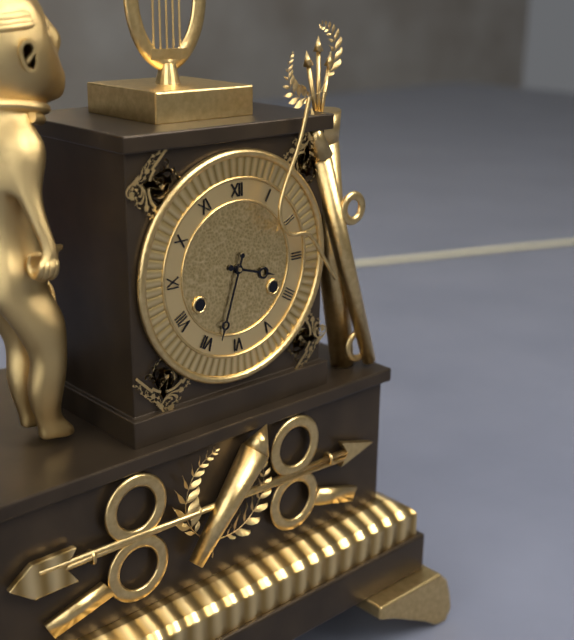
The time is 3,33
